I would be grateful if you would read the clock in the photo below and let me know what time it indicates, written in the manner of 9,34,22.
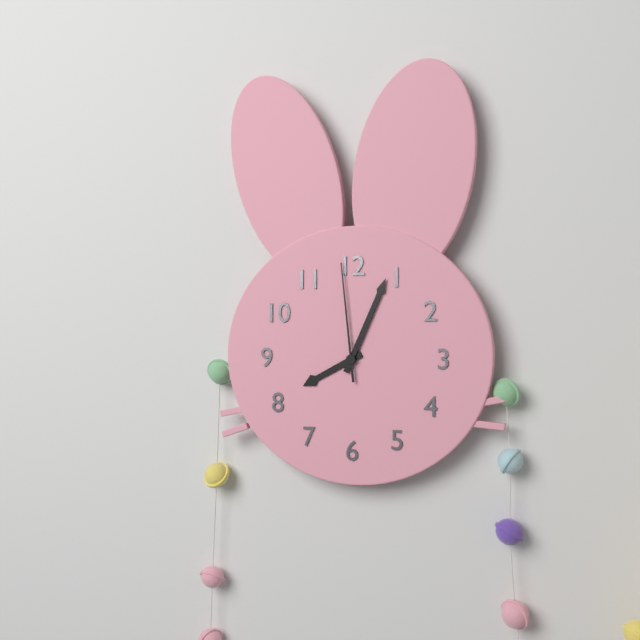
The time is 8,04,59
